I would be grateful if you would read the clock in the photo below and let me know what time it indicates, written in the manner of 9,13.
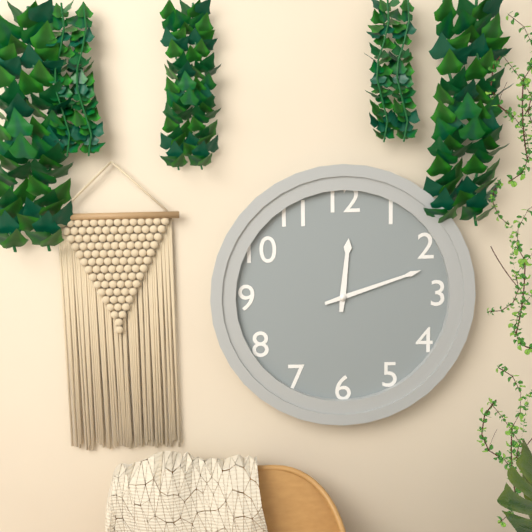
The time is 12,12
